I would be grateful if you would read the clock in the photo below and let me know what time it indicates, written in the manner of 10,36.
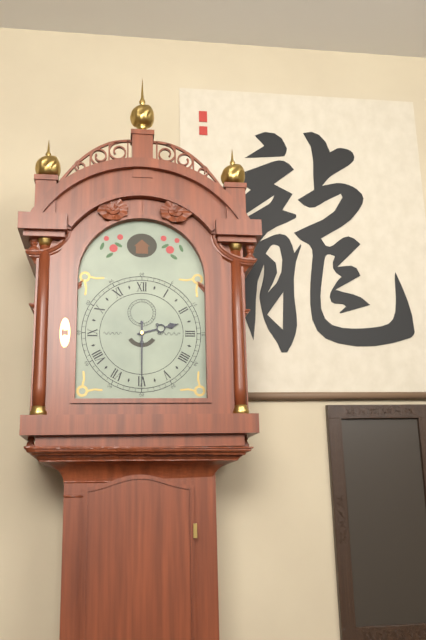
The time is 2,30
